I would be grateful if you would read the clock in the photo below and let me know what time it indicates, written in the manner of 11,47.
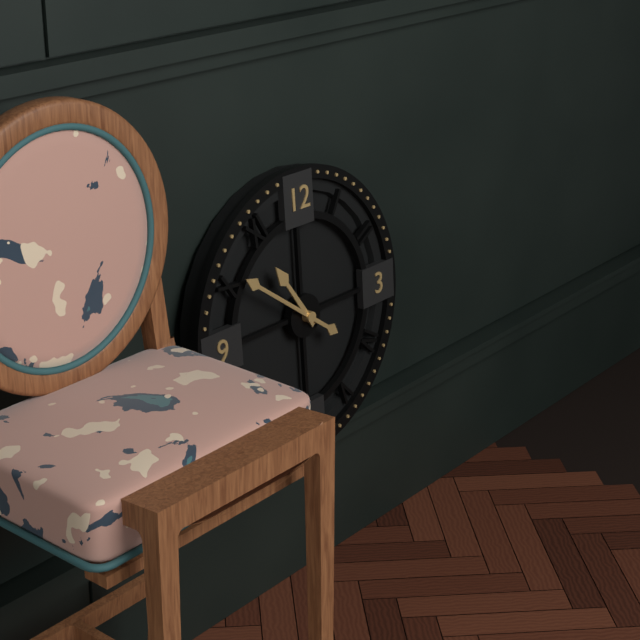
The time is 10,51
